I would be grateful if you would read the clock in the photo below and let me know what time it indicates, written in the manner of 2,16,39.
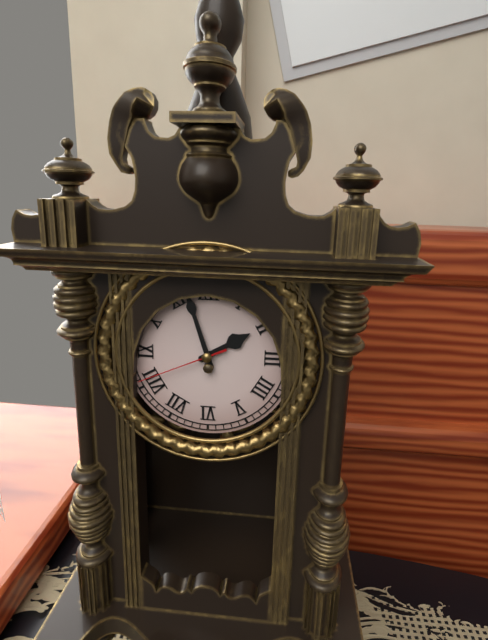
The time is 1,57,41
